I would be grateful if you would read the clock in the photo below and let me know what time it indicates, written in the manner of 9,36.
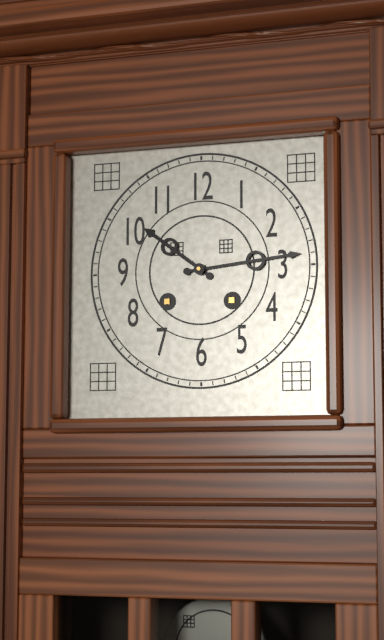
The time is 10,14
